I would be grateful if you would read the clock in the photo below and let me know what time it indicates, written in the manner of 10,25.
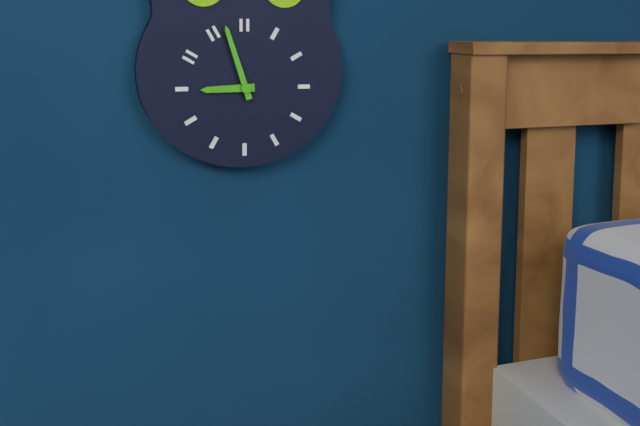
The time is 8,57
